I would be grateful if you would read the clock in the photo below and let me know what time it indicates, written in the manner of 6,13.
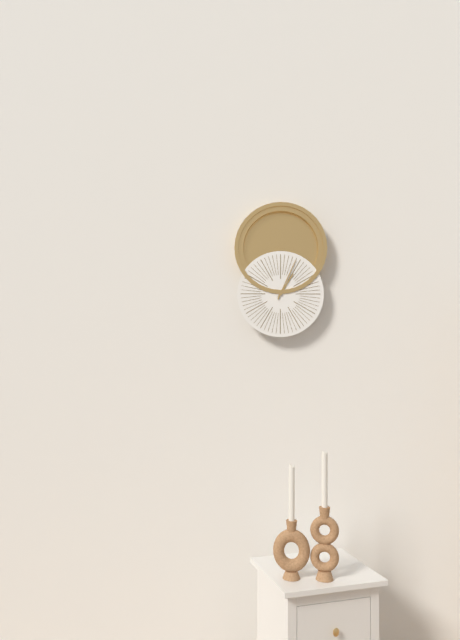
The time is 1,04
